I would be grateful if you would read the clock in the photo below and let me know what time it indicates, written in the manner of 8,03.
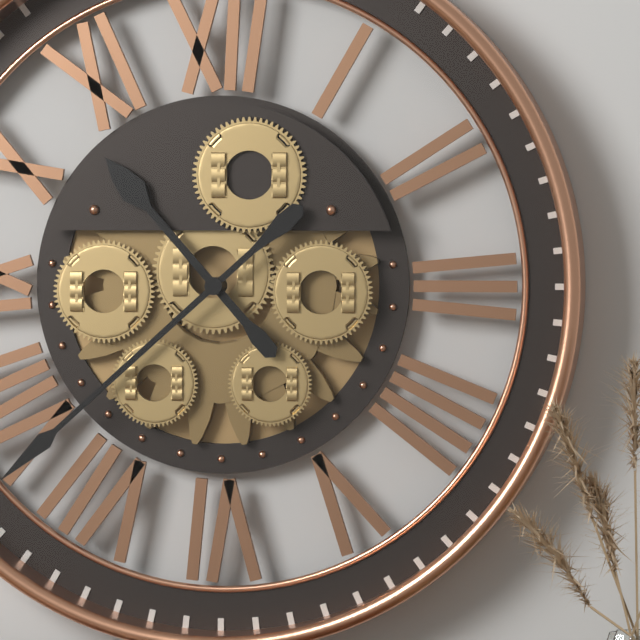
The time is 10,38
